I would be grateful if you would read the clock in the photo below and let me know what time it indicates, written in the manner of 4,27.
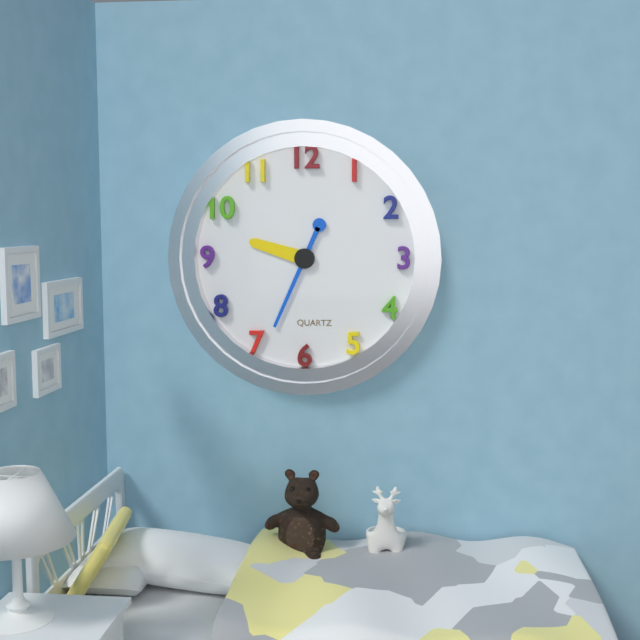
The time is 9,34
